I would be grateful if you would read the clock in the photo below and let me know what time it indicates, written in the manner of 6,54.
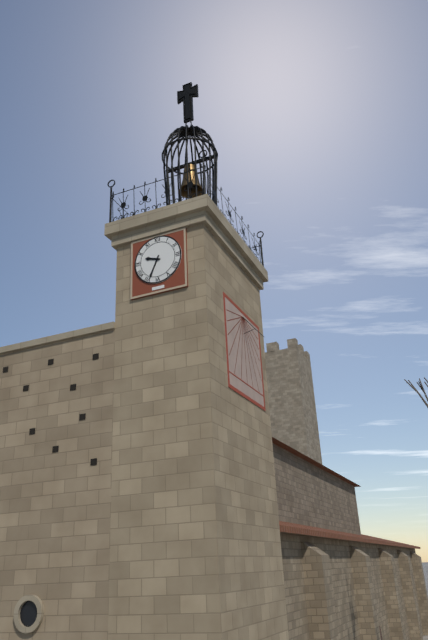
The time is 9,34
